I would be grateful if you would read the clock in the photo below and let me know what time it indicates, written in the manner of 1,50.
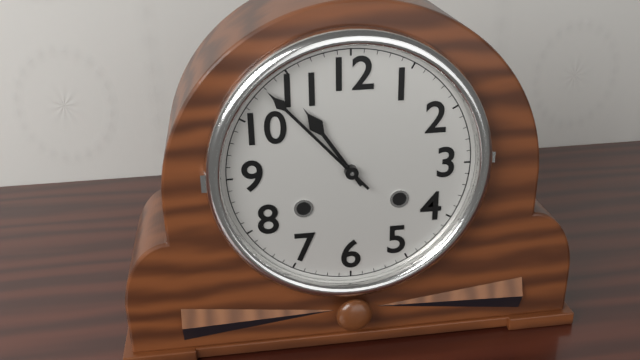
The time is 10,53
